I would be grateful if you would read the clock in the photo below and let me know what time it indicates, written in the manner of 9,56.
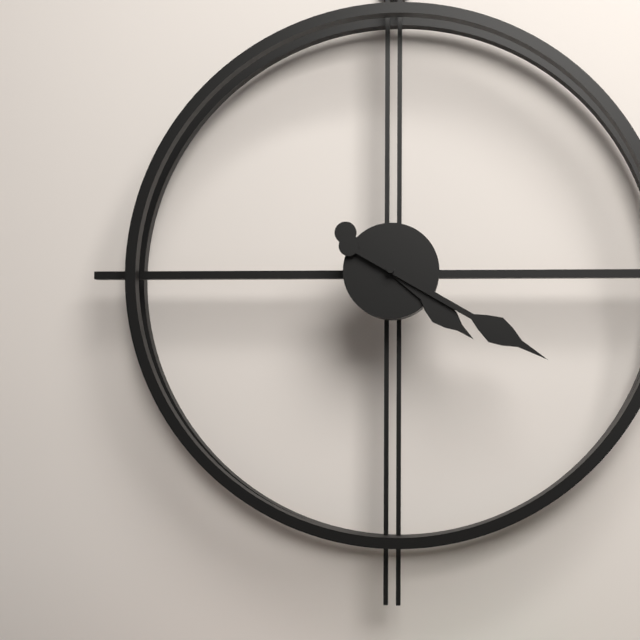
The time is 4,20
